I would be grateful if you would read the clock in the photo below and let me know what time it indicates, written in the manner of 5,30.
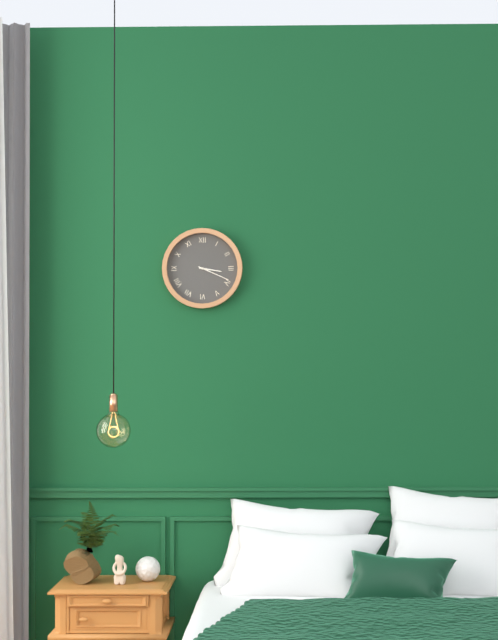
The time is 3,19
